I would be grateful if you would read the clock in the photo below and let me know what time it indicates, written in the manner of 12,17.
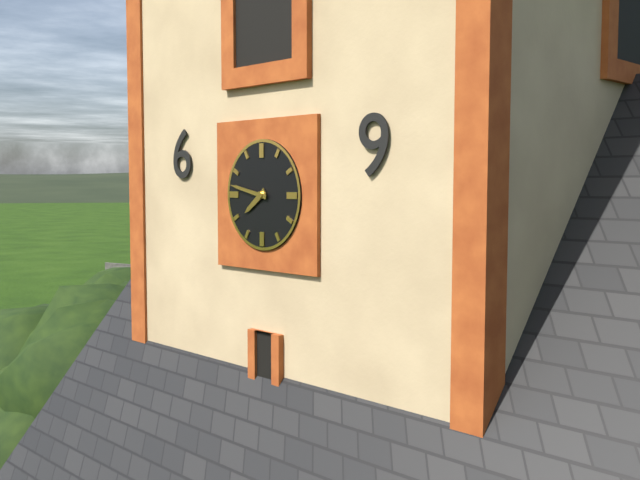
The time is 7,47
